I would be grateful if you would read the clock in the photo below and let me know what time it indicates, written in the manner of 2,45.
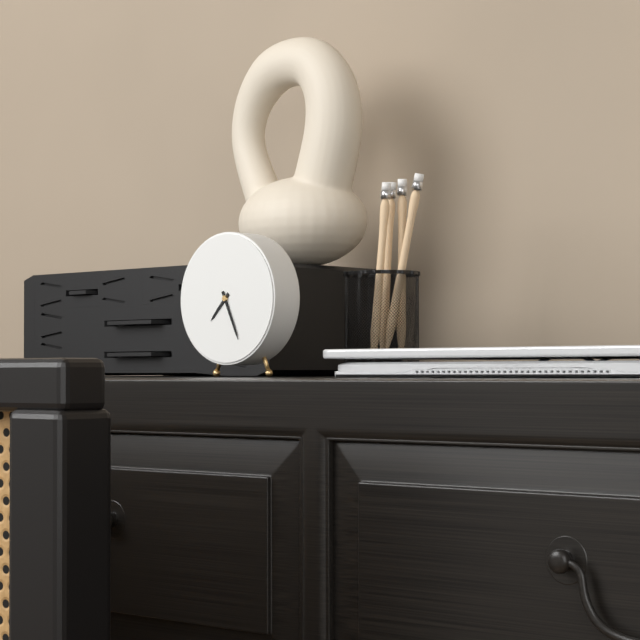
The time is 7,26
